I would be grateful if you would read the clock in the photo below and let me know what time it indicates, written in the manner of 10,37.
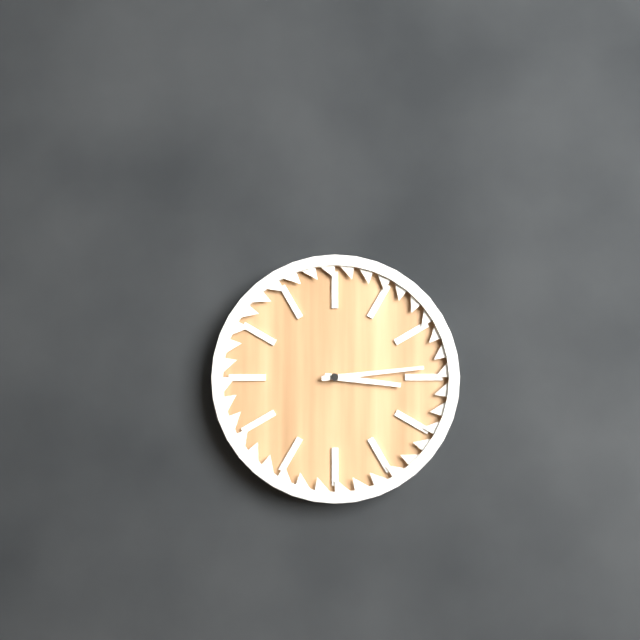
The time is 3,14
